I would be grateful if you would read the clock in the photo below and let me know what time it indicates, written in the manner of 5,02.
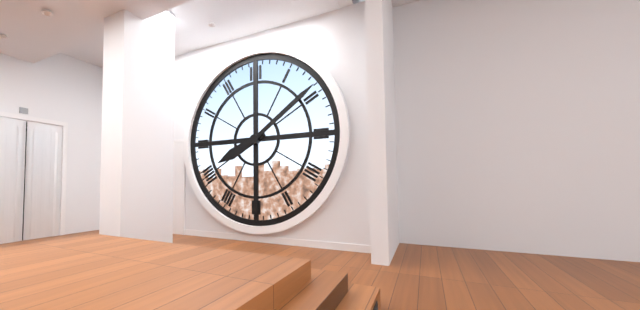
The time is 8,09
